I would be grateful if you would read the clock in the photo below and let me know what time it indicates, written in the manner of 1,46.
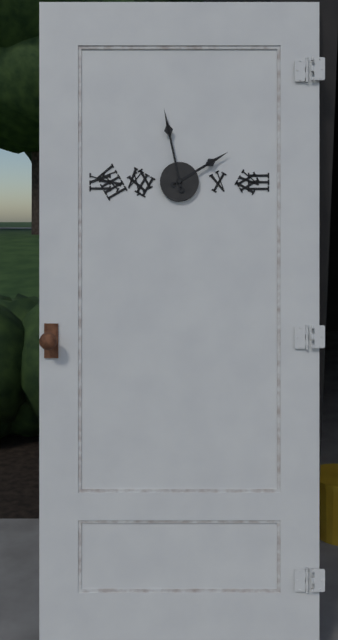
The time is 1,58
